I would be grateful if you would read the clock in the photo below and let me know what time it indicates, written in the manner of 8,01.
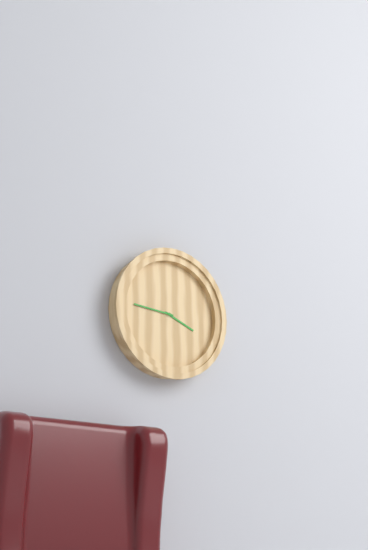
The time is 3,46
